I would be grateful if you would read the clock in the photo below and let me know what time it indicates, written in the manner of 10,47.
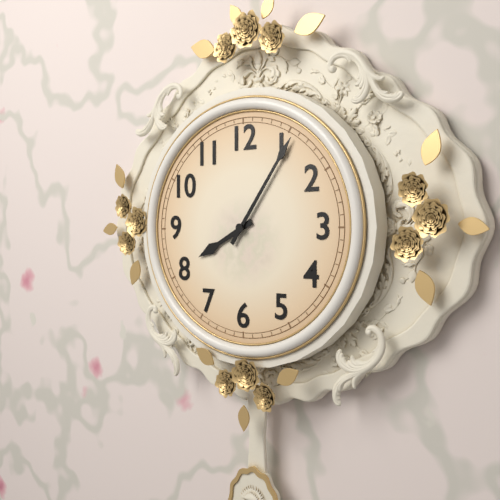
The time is 8,06
